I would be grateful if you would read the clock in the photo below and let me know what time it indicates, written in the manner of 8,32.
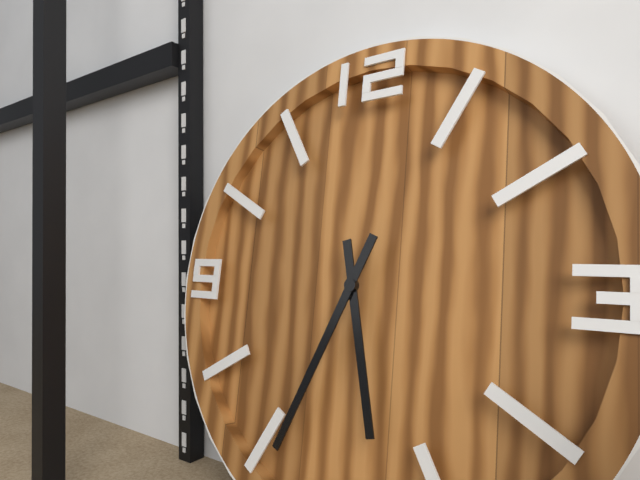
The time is 5,34
